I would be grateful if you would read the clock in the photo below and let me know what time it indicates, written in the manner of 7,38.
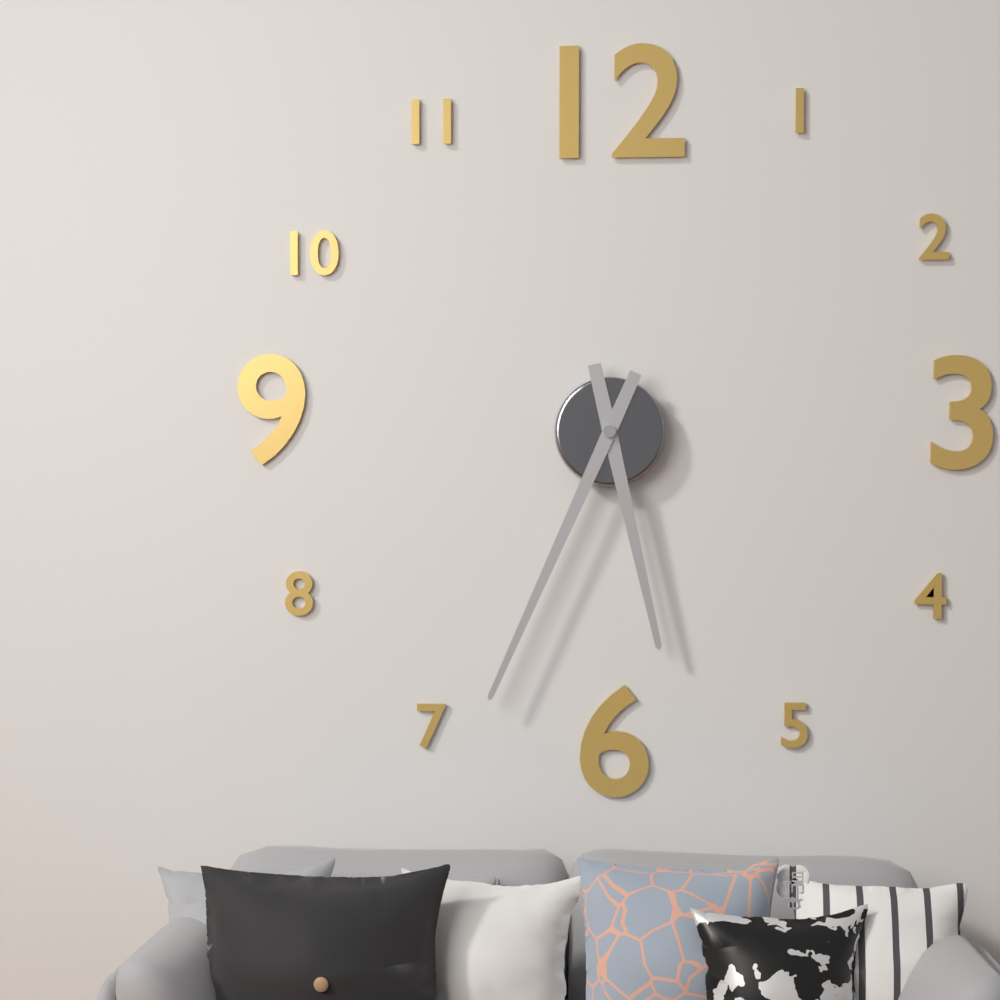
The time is 5,34
